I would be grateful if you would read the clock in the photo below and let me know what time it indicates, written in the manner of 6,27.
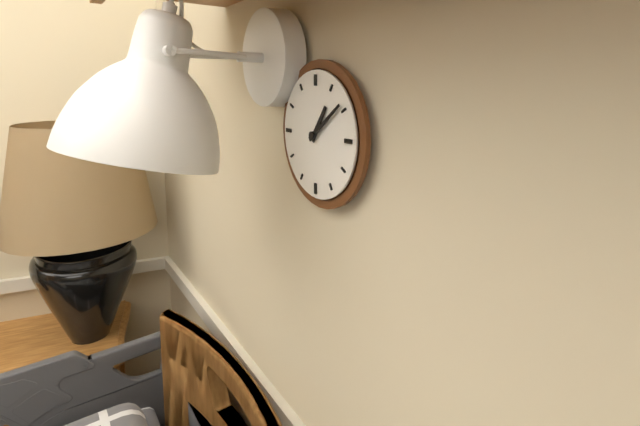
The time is 1,09
